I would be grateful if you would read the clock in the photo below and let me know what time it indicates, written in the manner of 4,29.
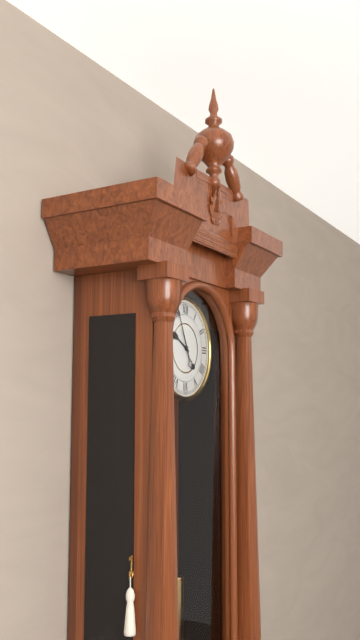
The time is 9,56
